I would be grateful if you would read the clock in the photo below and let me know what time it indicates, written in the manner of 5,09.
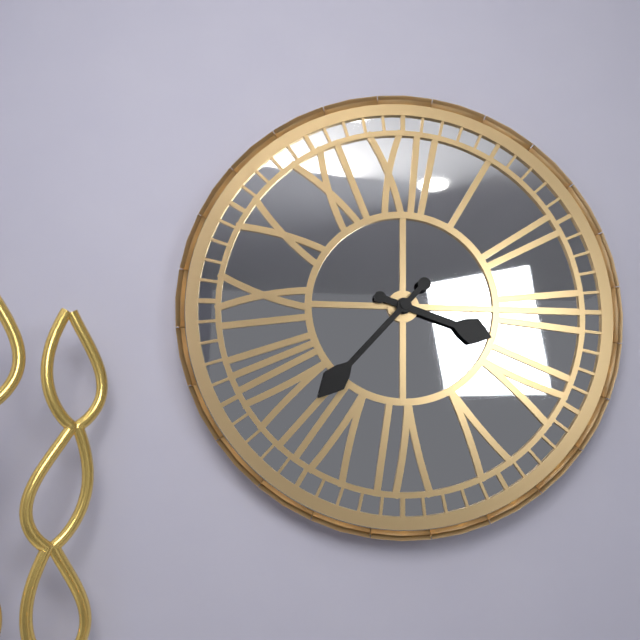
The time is 3,37
